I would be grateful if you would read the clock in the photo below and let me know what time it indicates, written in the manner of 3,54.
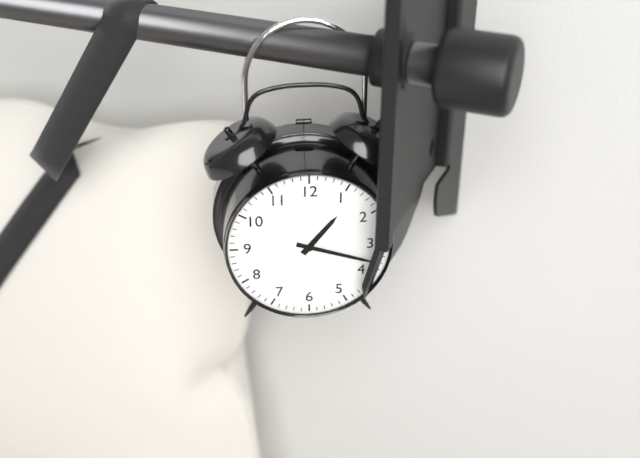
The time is 1,18
